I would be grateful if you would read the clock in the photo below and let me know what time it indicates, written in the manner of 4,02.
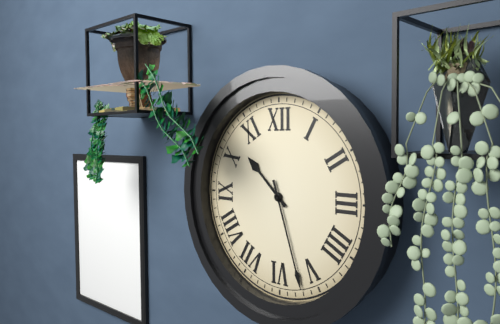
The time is 10,27
